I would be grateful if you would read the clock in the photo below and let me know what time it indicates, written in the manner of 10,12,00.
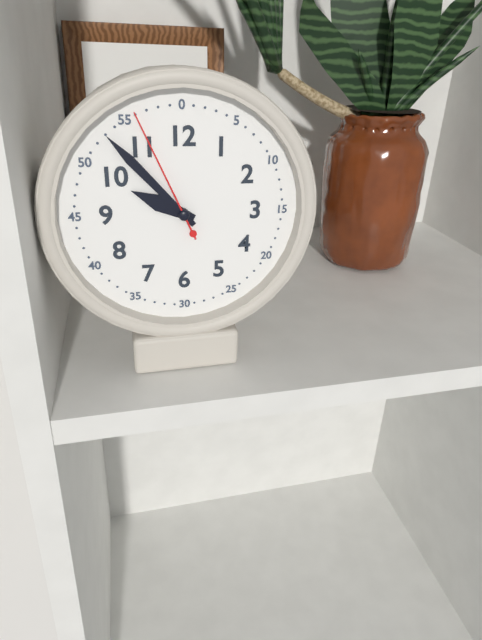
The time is 9,53,56
